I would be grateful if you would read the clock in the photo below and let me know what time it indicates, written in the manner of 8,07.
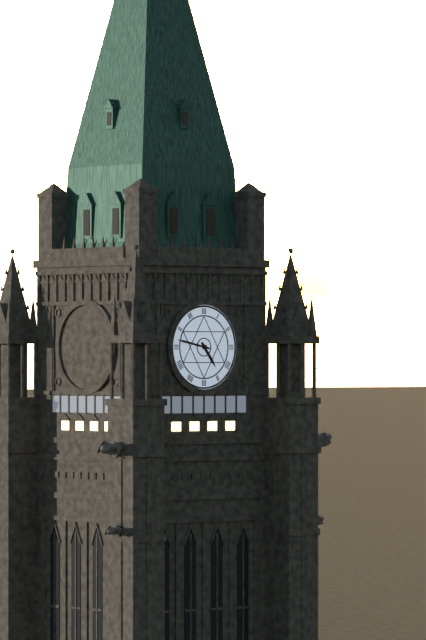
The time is 4,47
